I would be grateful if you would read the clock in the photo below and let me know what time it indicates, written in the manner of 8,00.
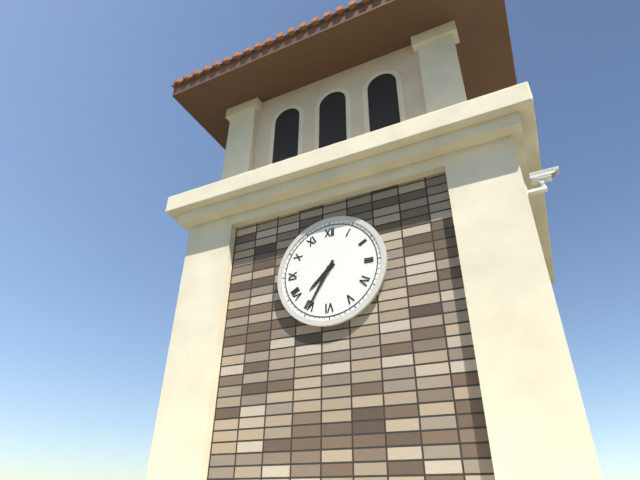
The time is 7,35
